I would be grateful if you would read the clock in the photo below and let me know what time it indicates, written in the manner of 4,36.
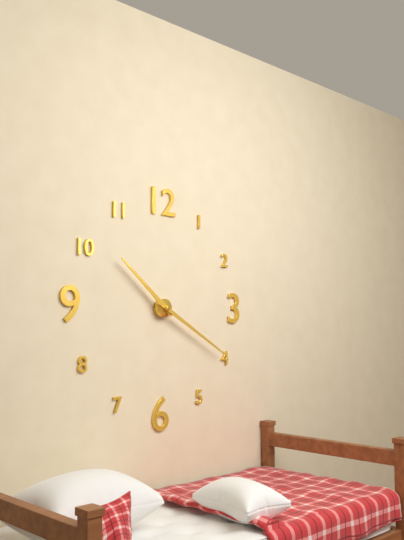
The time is 10,20
